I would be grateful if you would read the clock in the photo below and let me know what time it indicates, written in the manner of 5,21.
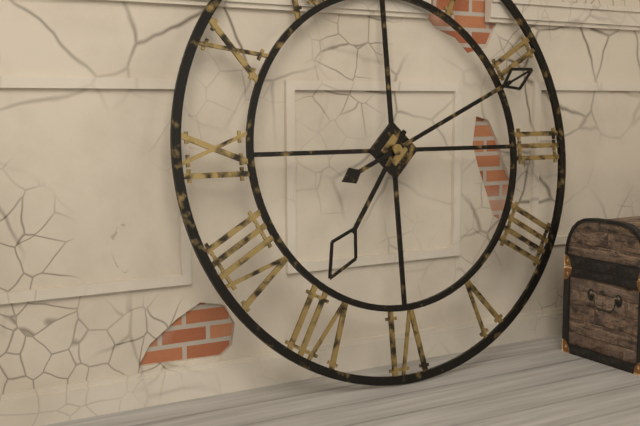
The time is 7,11
